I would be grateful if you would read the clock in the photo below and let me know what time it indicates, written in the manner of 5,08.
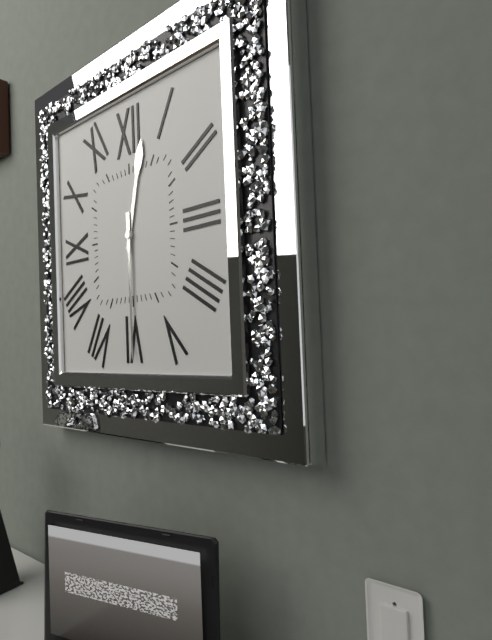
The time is 12,30
